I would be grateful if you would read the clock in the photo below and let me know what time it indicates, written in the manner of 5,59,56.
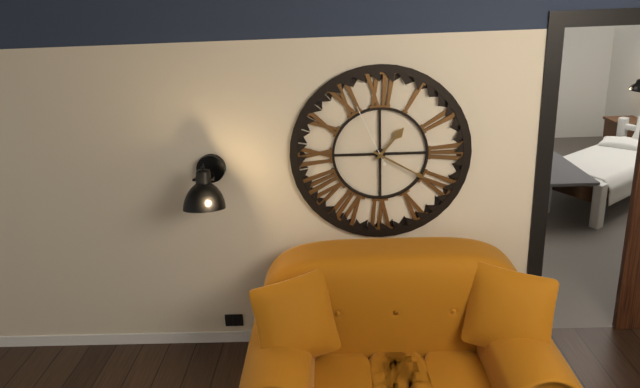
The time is 1,20,56
